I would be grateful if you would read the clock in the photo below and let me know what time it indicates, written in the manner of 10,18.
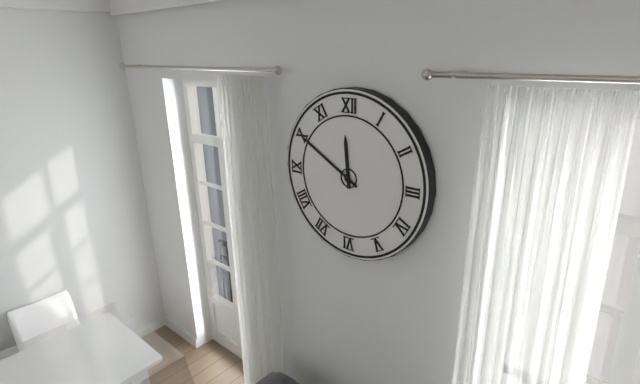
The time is 11,50
